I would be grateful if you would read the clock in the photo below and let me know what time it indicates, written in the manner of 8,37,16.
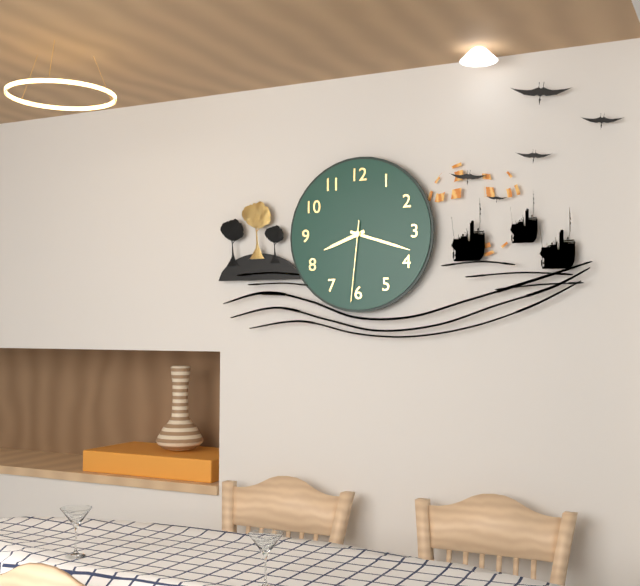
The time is 8,18,31
